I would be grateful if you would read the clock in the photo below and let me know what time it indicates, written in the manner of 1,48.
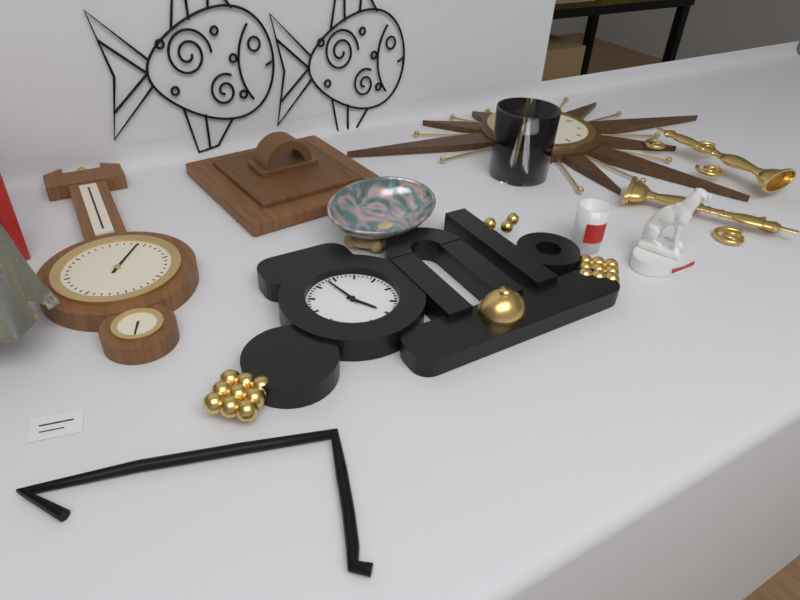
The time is 4,58
